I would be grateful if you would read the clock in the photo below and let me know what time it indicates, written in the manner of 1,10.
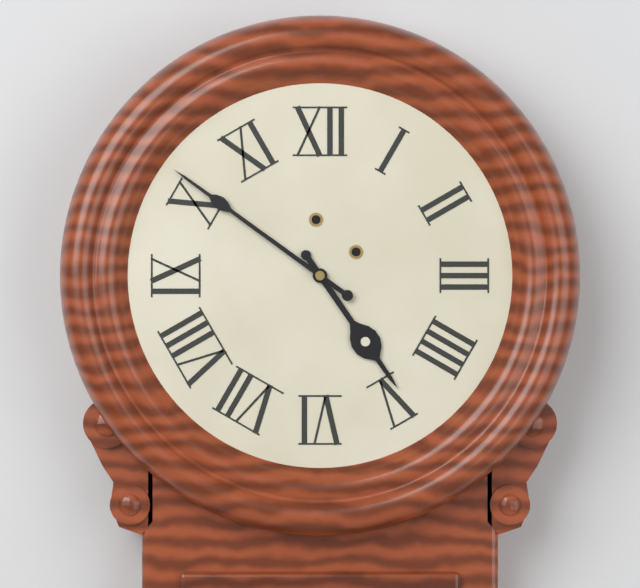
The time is 4,51
